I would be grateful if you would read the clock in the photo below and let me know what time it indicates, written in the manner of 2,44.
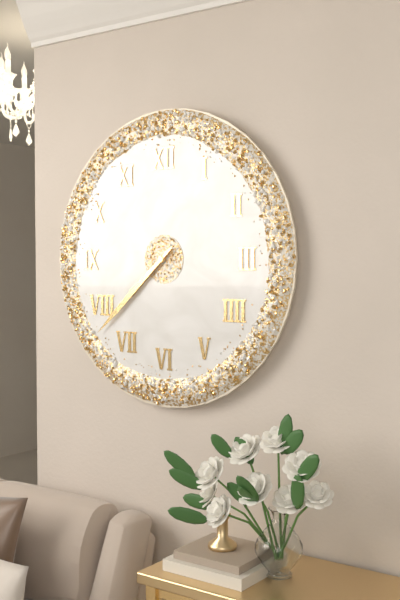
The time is 7,38
